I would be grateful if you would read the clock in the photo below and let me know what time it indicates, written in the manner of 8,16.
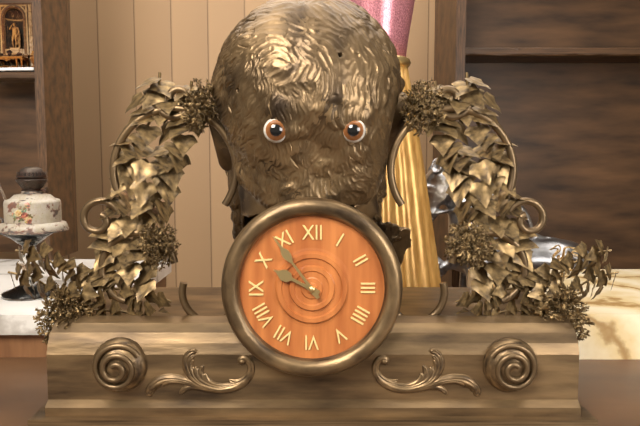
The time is 9,54
